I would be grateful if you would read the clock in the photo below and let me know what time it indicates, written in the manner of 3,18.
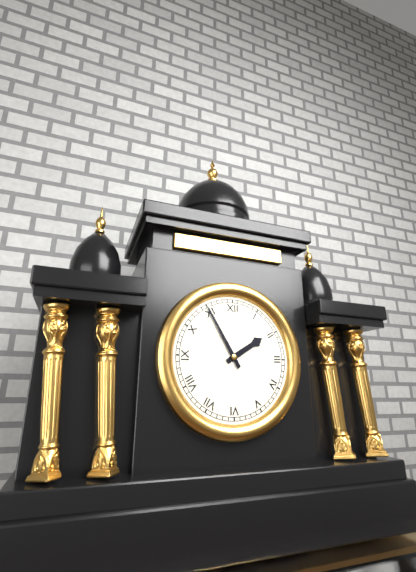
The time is 1,55
